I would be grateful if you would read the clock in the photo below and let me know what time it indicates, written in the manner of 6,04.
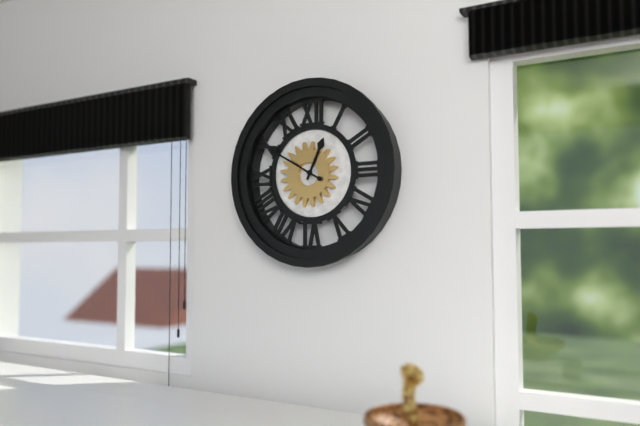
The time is 12,50
